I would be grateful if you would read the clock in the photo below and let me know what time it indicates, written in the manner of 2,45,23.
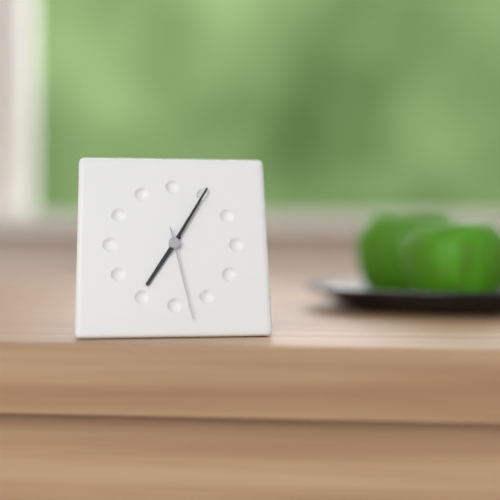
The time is 7,05,28
